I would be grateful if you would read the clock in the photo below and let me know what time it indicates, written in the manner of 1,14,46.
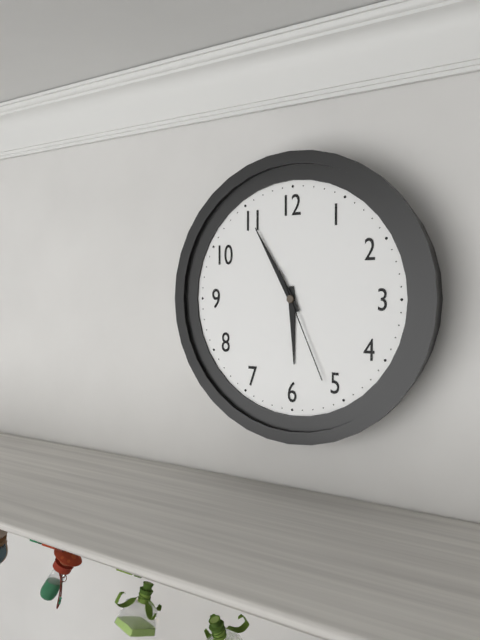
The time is 5,55,26
